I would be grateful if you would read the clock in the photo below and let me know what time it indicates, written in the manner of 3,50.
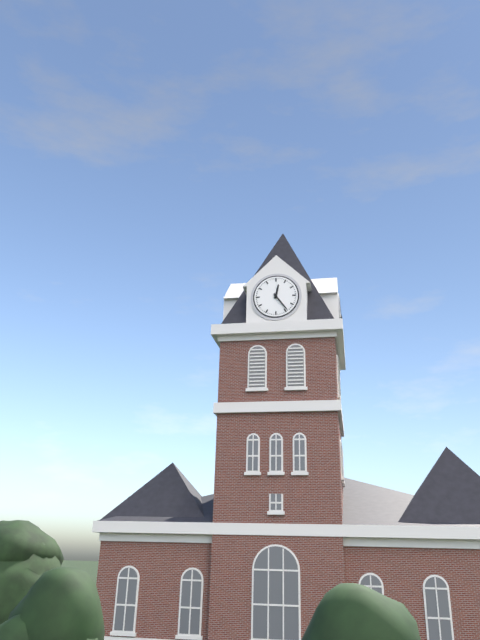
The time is 12,24
